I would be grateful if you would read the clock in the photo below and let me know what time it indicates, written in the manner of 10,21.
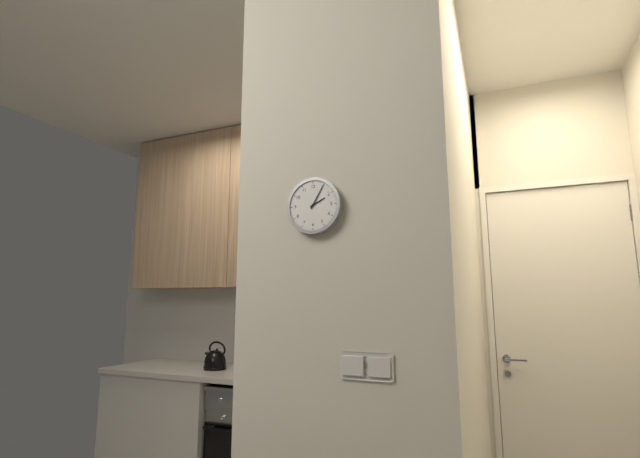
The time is 2,05
